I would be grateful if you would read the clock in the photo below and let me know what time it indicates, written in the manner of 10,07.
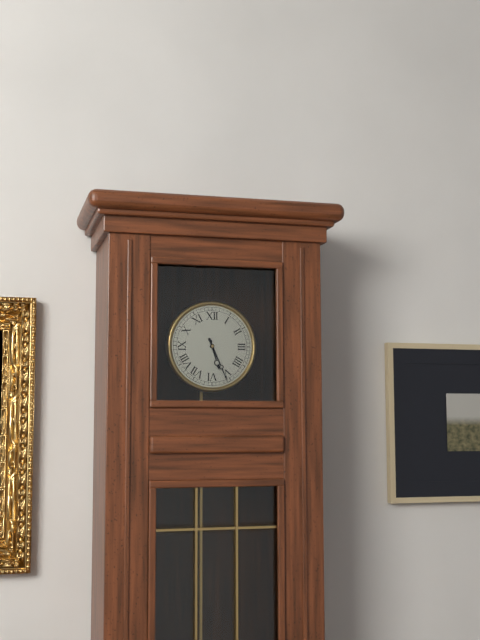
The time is 5,26
